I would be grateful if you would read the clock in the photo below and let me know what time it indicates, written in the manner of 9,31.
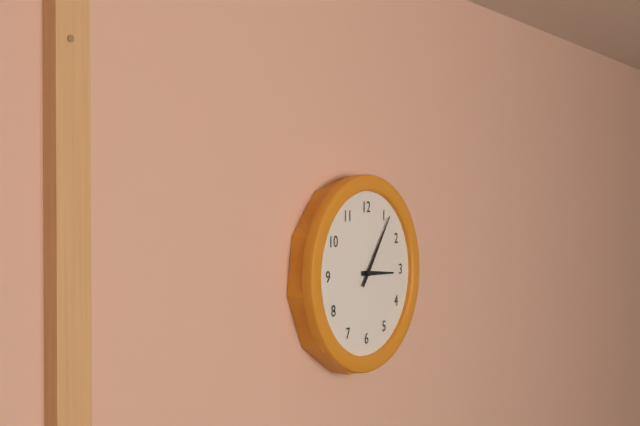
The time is 3,06
